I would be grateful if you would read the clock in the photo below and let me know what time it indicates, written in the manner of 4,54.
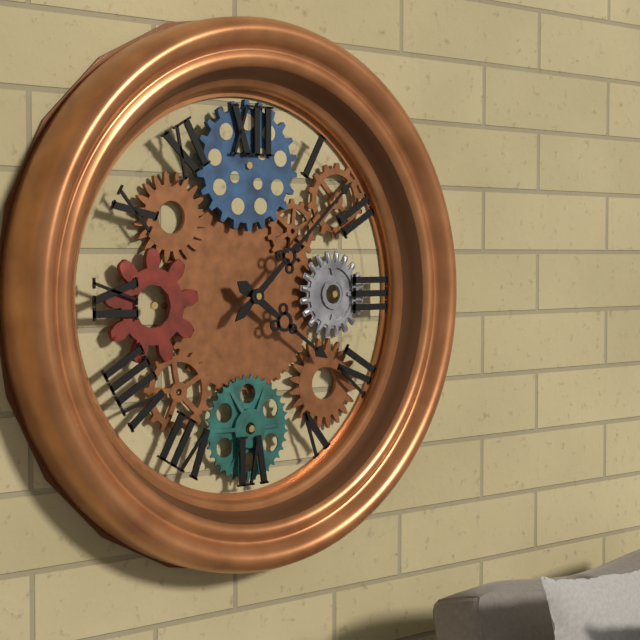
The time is 4,08
